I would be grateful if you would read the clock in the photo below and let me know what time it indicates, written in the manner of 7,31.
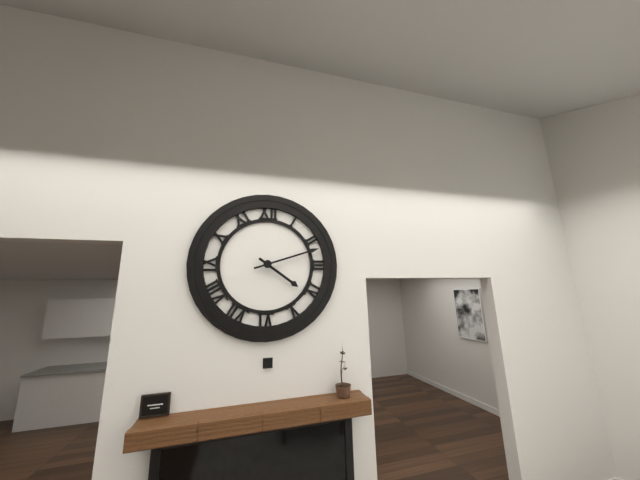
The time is 4,12
